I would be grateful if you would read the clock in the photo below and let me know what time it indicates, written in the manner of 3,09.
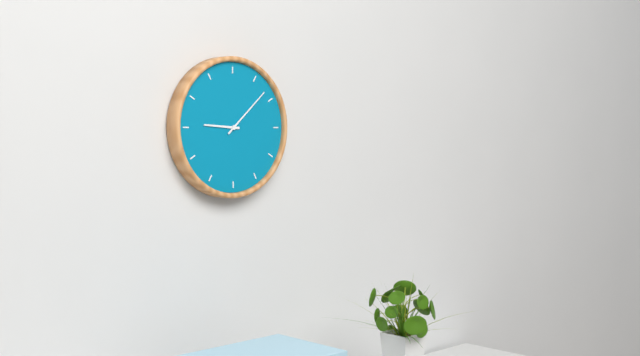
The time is 9,08
